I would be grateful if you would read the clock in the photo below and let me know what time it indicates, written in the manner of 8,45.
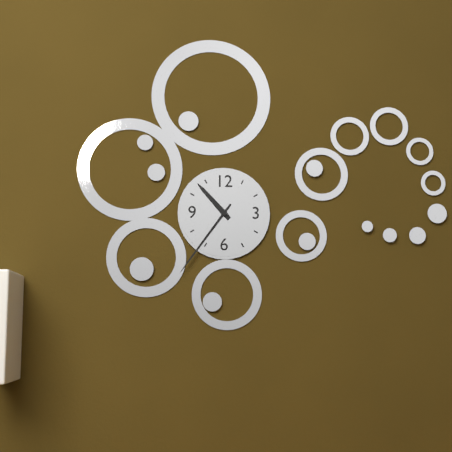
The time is 10,36
